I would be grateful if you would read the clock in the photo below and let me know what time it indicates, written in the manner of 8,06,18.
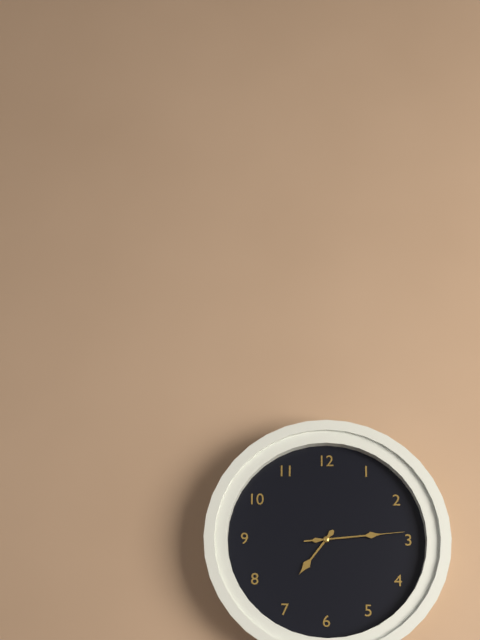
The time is 7,14,14
